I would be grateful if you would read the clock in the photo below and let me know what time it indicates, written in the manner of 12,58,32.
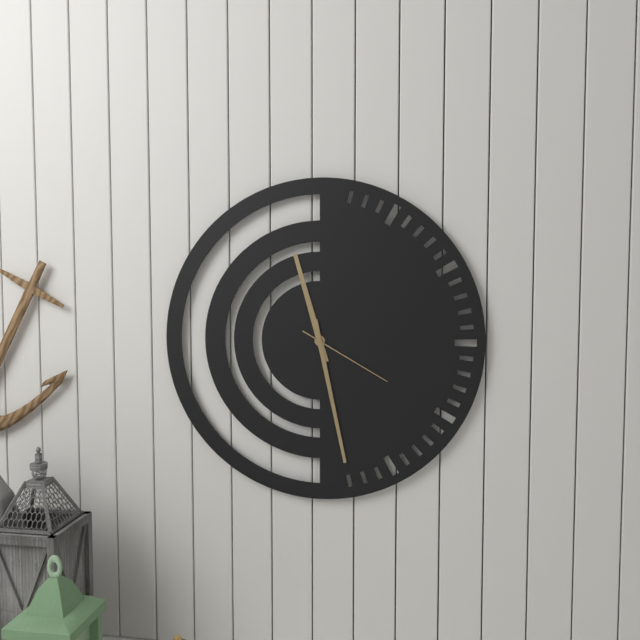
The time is 11,28,20
